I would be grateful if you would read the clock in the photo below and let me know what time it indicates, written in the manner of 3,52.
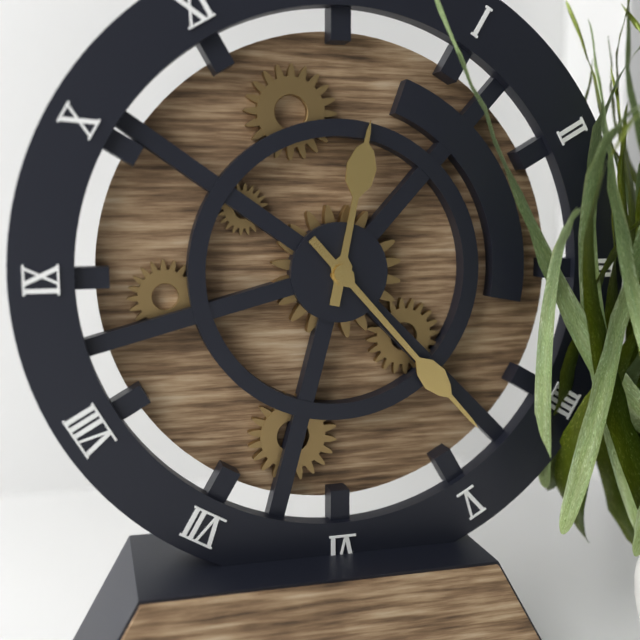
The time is 12,23
